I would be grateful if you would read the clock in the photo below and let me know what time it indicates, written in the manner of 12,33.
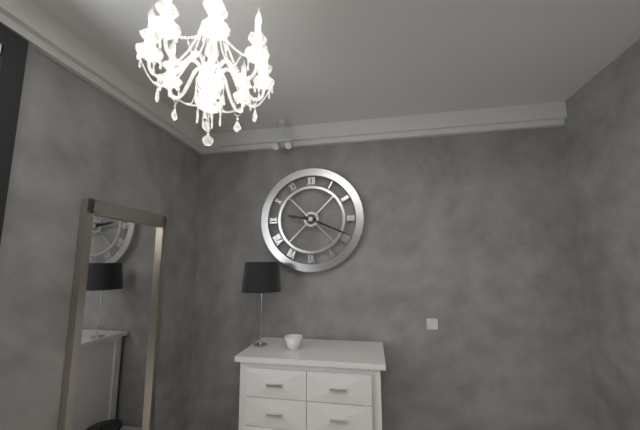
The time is 9,19
